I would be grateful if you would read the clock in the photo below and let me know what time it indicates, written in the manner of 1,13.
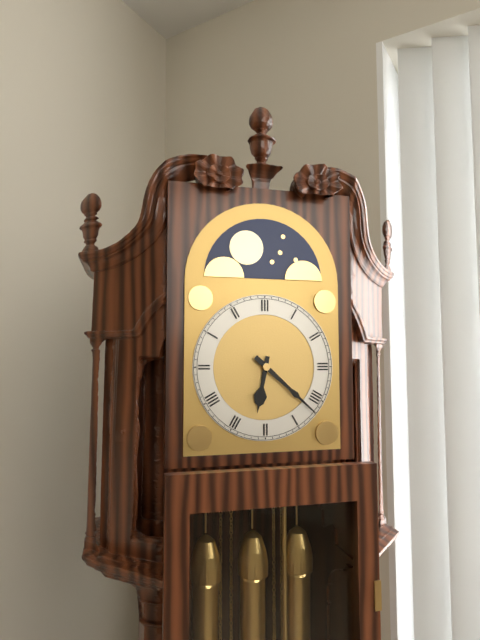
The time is 6,22
